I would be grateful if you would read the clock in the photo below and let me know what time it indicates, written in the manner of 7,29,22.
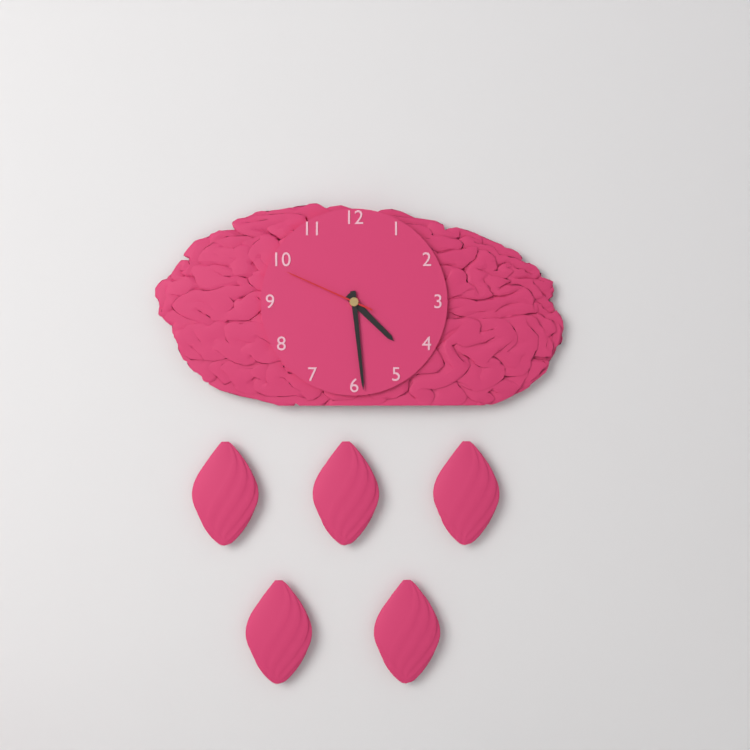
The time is 4,29,49
